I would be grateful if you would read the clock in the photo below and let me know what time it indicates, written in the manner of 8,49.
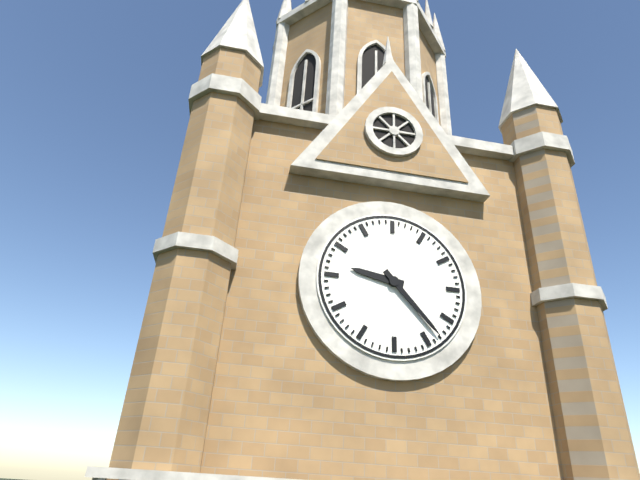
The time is 9,23
